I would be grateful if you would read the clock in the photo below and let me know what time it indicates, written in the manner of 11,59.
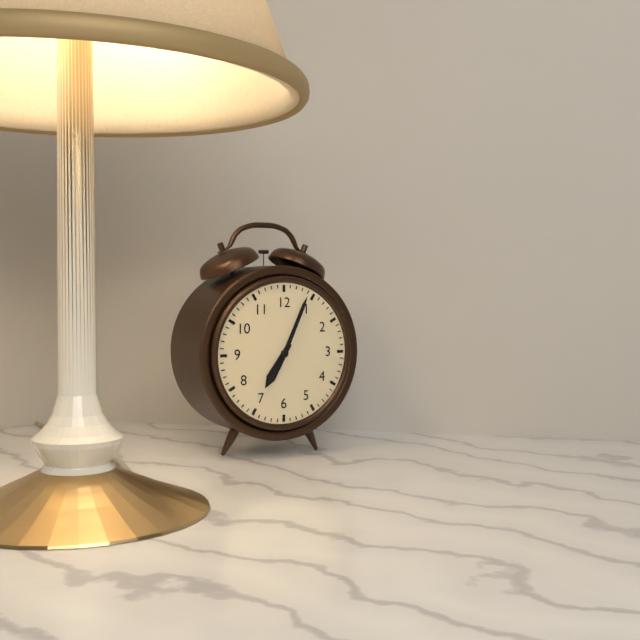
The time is 7,04
